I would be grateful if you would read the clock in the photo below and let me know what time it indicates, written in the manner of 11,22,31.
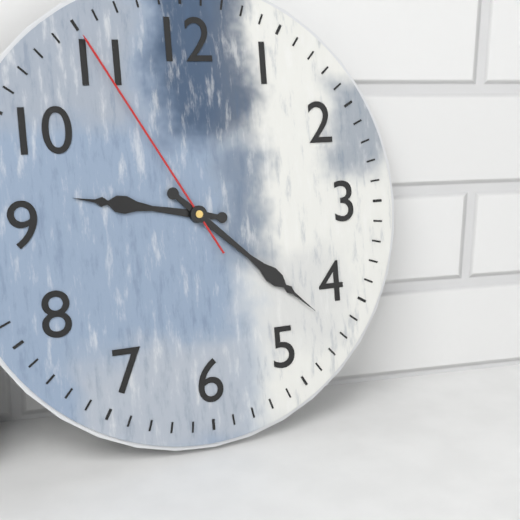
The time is 9,22,55
